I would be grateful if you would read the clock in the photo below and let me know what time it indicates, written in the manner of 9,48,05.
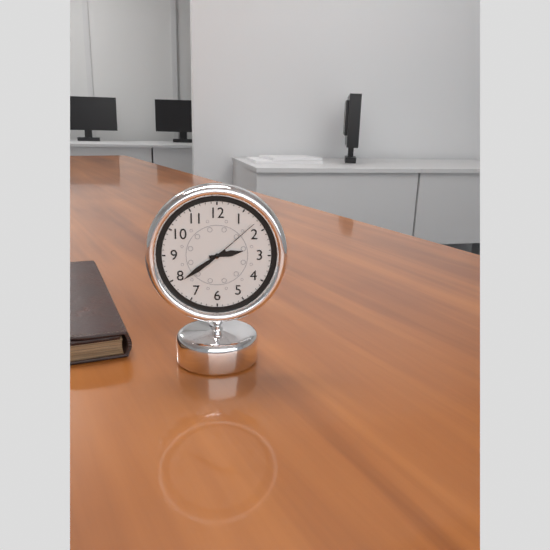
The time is 2,39,08
